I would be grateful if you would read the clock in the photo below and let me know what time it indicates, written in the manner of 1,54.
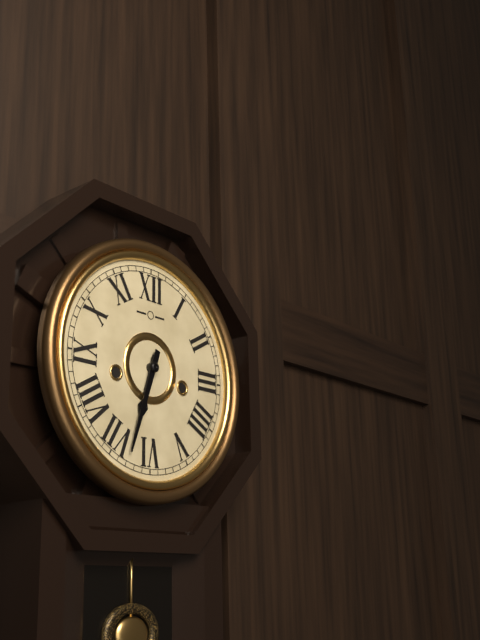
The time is 6,33
